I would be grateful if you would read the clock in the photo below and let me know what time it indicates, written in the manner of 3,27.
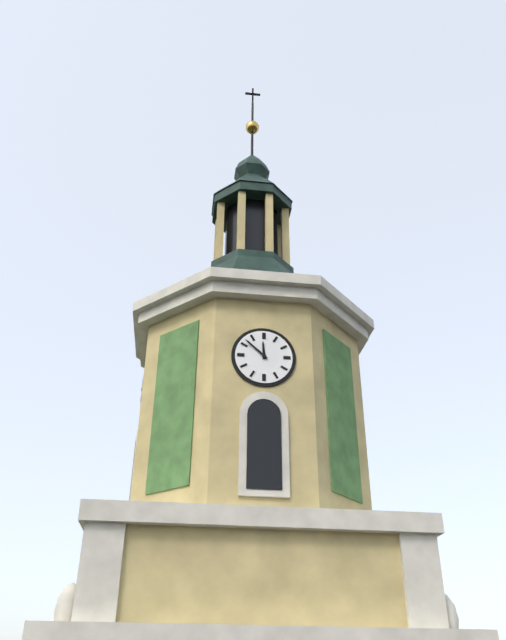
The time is 11,52
